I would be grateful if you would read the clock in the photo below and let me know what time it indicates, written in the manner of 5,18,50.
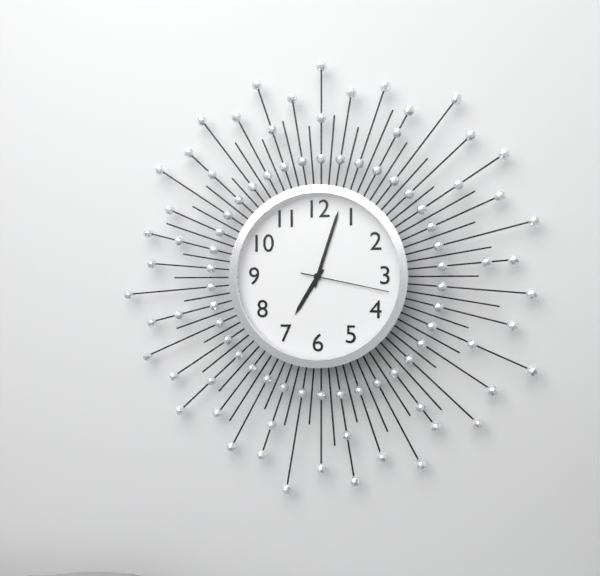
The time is 7,03,17
